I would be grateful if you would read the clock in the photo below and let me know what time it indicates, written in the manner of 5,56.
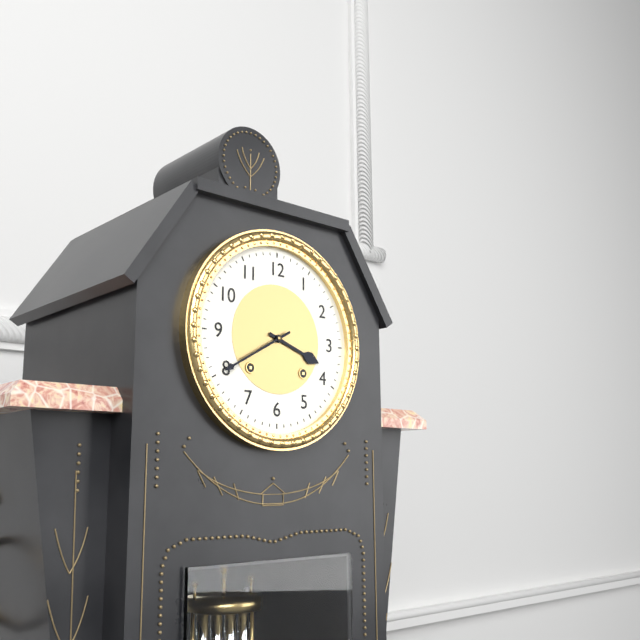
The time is 3,40
